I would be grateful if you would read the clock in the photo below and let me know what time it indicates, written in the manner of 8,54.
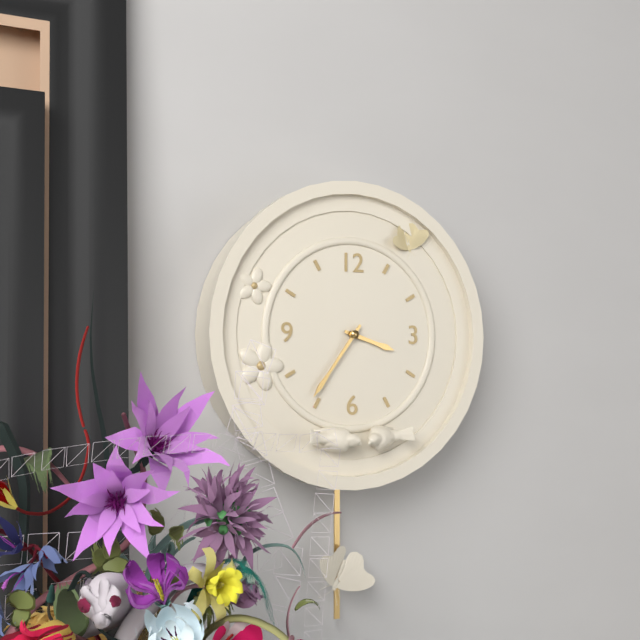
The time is 3,36
